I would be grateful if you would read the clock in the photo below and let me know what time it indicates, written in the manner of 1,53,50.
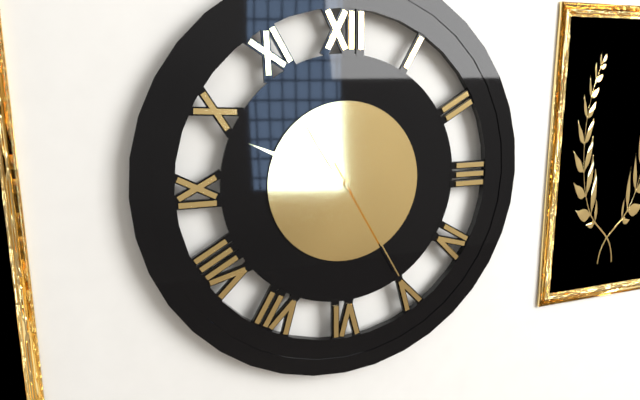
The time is 10,49,25
